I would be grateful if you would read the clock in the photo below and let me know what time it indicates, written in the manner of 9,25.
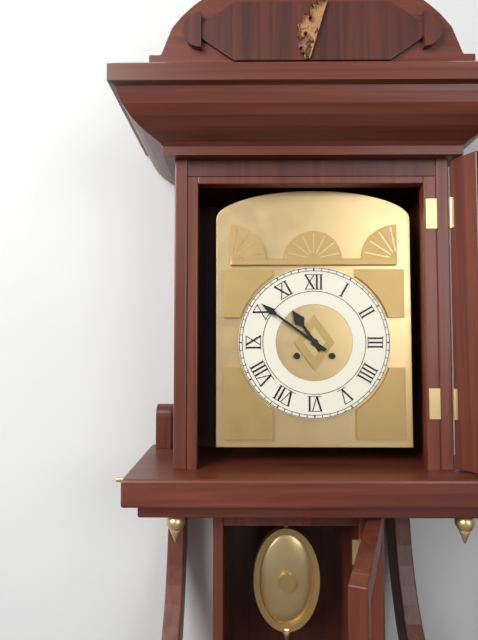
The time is 10,51
